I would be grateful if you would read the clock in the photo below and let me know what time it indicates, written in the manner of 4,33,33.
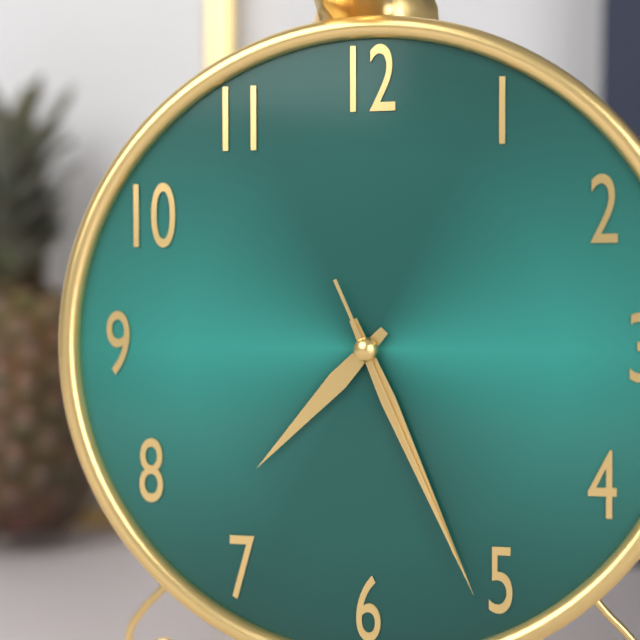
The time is 7,26,26
